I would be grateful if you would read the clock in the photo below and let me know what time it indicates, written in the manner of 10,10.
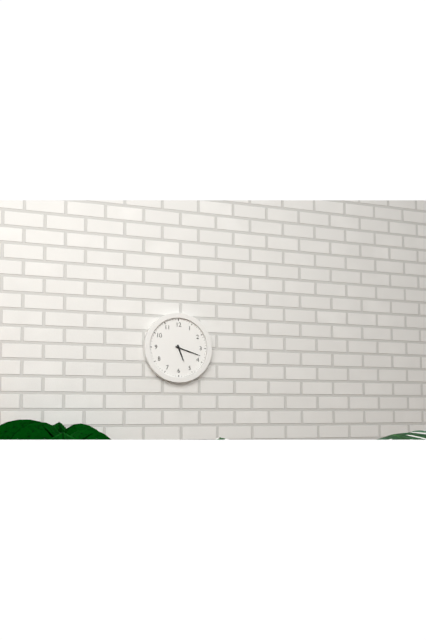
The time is 5,18
